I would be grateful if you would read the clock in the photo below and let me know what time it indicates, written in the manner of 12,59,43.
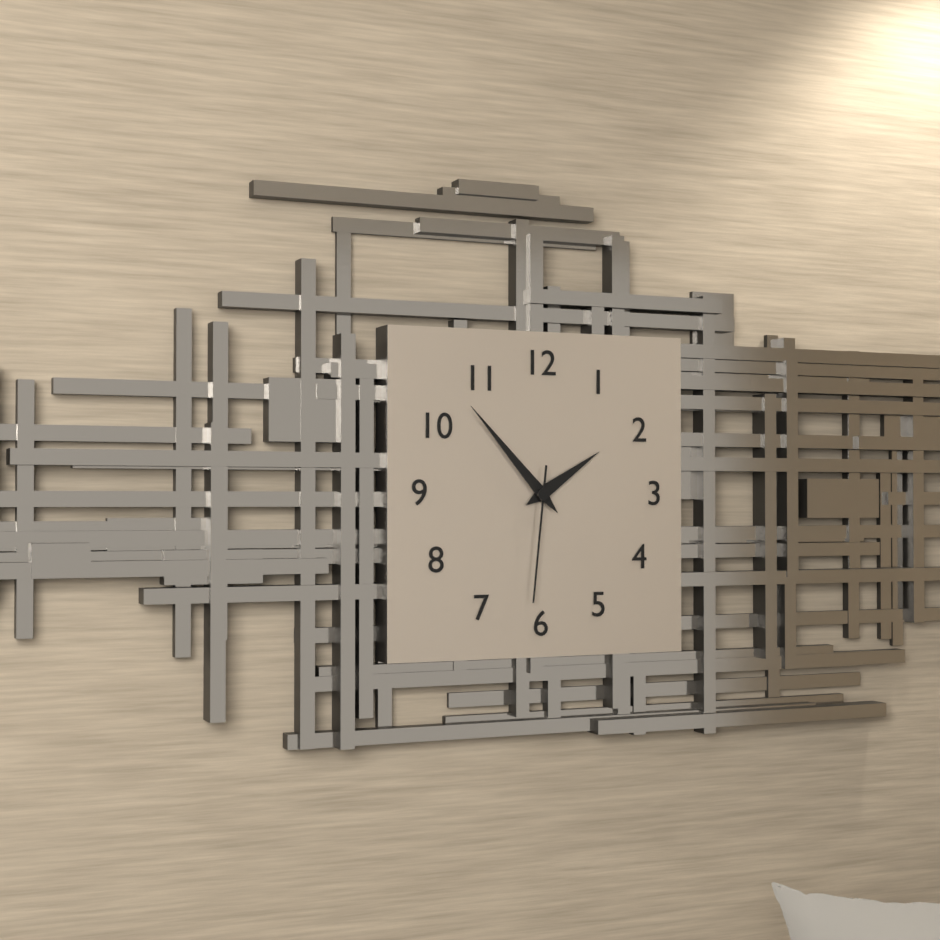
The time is 1,53,31
